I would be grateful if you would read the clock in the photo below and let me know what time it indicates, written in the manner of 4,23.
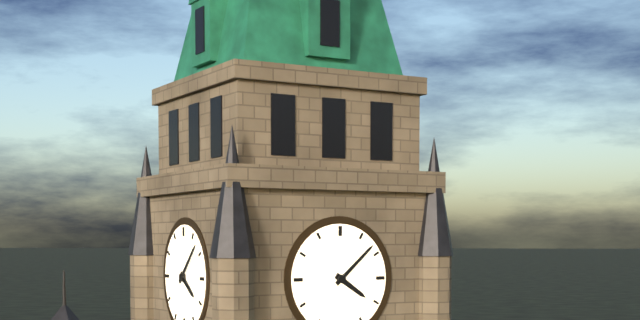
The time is 4,08
